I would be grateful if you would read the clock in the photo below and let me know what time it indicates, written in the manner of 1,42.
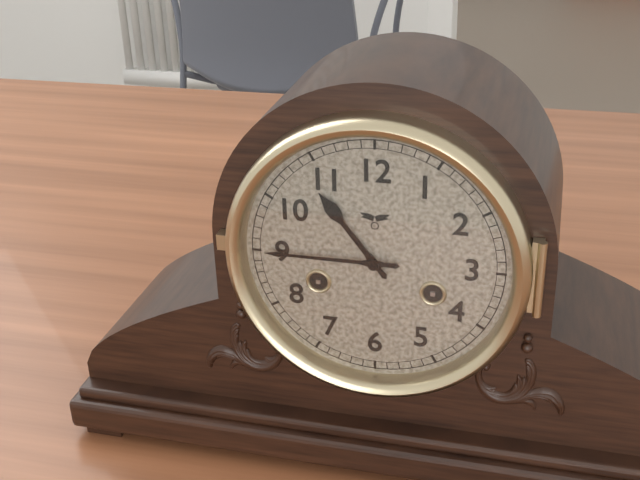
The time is 10,45
